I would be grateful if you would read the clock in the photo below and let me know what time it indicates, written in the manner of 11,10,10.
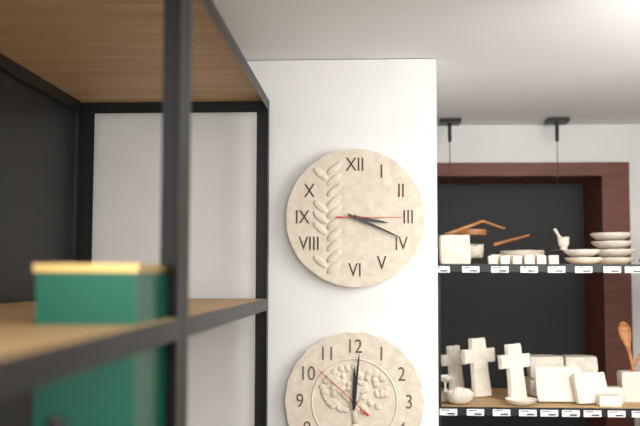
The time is 3,19,15
